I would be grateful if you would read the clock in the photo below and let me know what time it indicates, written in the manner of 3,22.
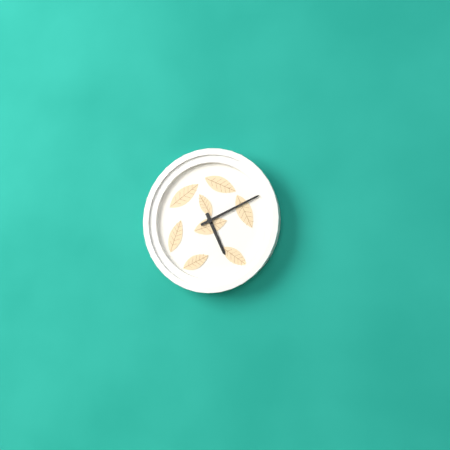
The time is 5,11
